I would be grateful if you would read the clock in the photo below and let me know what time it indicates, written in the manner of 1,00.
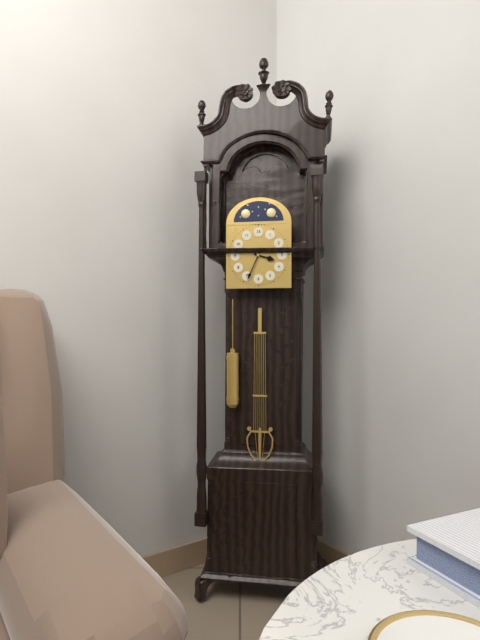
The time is 3,34
